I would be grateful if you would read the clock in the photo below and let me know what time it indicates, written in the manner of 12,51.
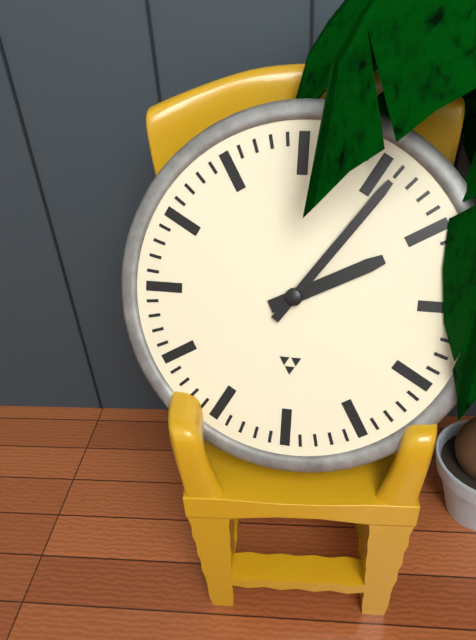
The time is 2,06
